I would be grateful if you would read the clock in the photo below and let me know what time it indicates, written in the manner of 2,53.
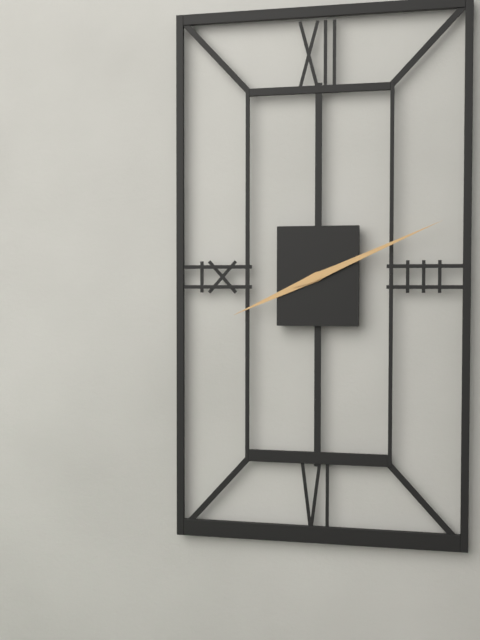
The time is 8,11
